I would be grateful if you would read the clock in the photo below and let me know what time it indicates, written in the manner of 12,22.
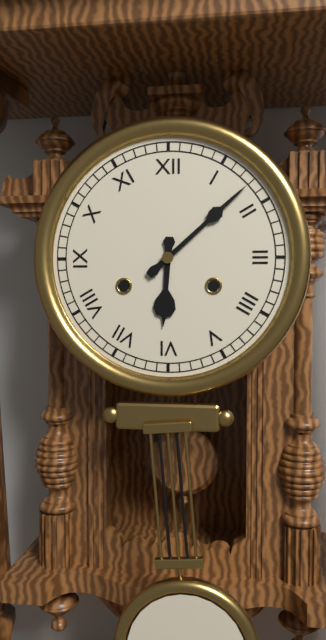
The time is 6,08
